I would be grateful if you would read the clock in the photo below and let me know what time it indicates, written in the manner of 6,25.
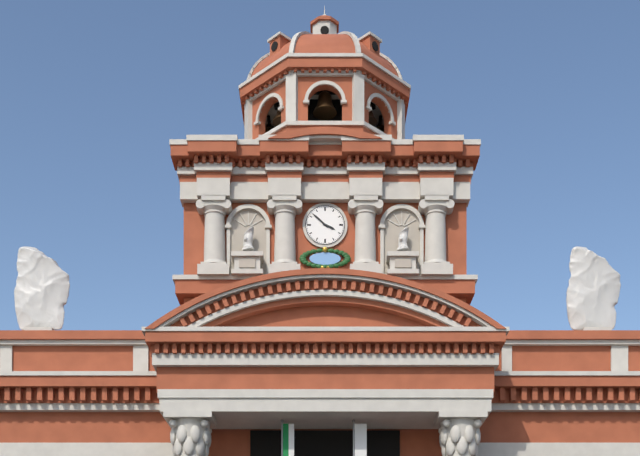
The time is 3,52
